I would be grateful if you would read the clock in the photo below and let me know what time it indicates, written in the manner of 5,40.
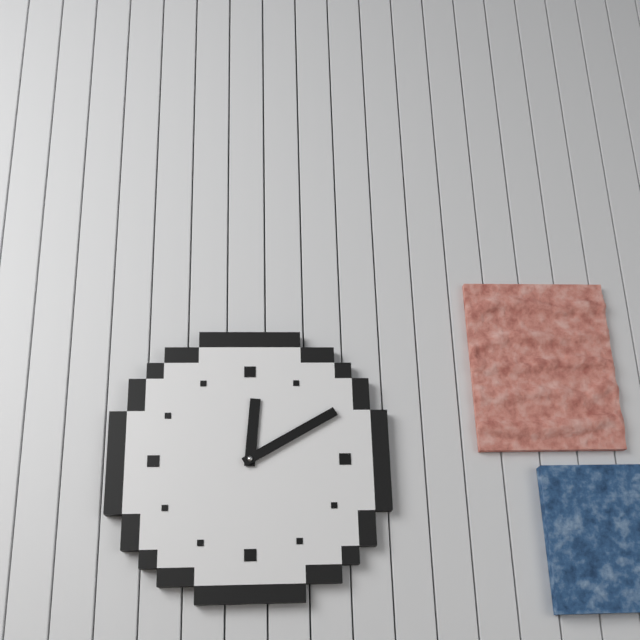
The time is 12,10
